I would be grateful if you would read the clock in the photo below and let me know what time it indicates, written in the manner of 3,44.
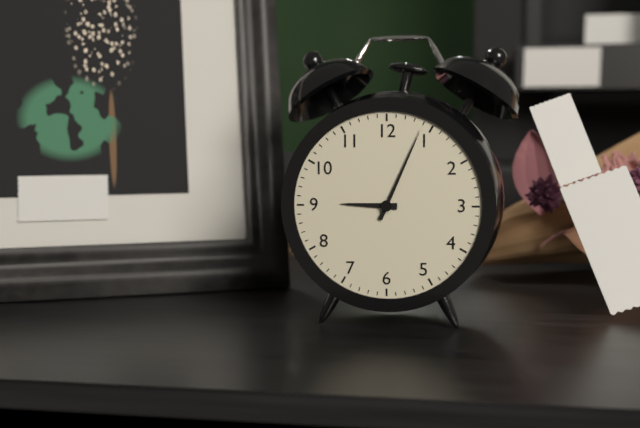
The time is 9,04
